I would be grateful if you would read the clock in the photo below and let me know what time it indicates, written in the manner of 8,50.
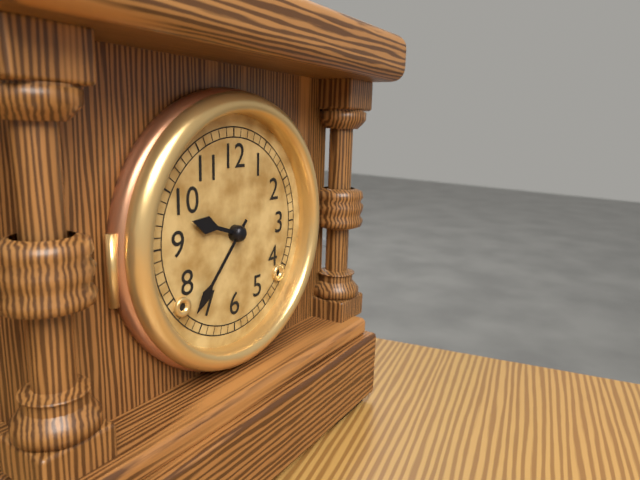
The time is 9,37
